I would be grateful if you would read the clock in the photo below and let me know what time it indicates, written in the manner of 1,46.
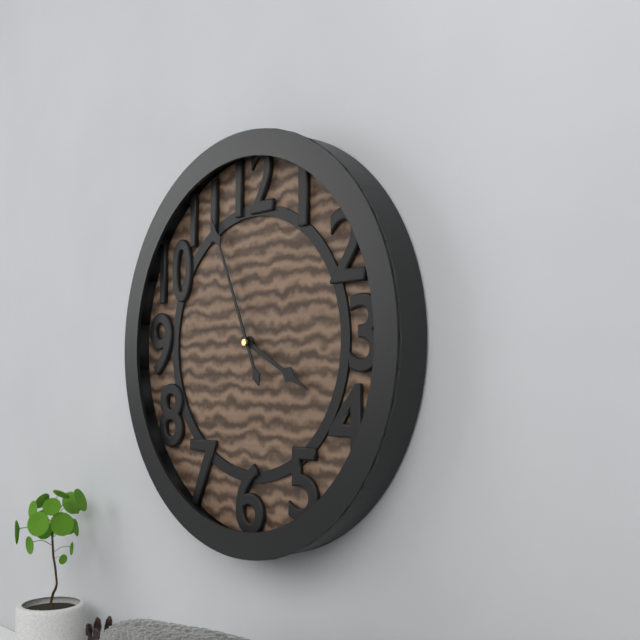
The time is 3,56
